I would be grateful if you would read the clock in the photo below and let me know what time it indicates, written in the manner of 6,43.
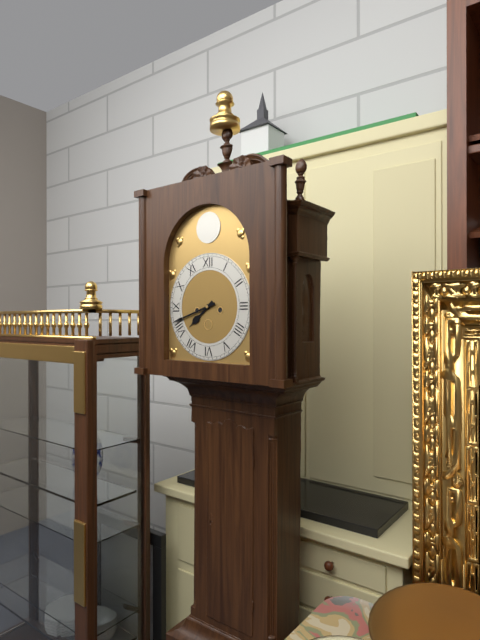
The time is 7,42
